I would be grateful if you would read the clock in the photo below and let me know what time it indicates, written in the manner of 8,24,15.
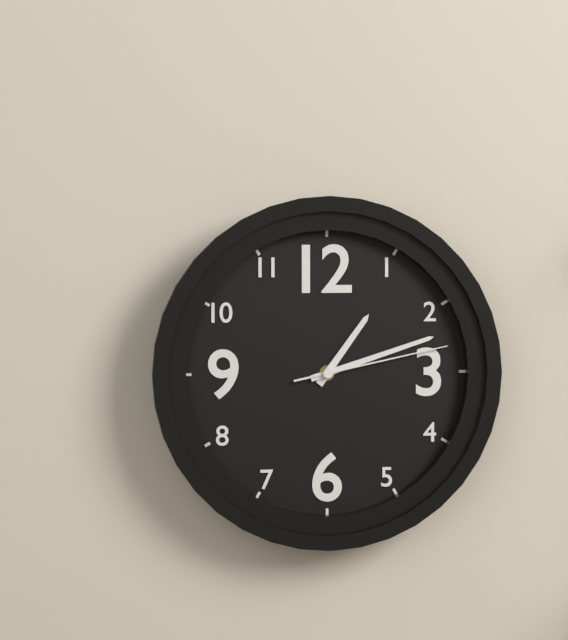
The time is 1,12,13
